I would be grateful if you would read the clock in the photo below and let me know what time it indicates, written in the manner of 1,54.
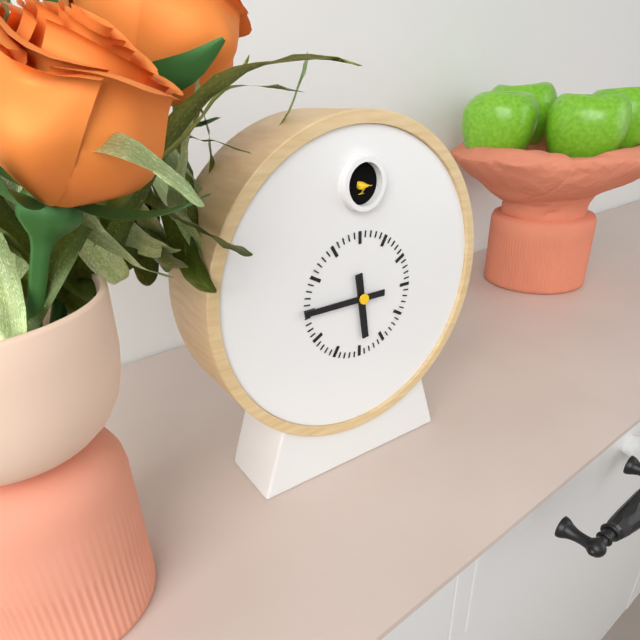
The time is 5,45
